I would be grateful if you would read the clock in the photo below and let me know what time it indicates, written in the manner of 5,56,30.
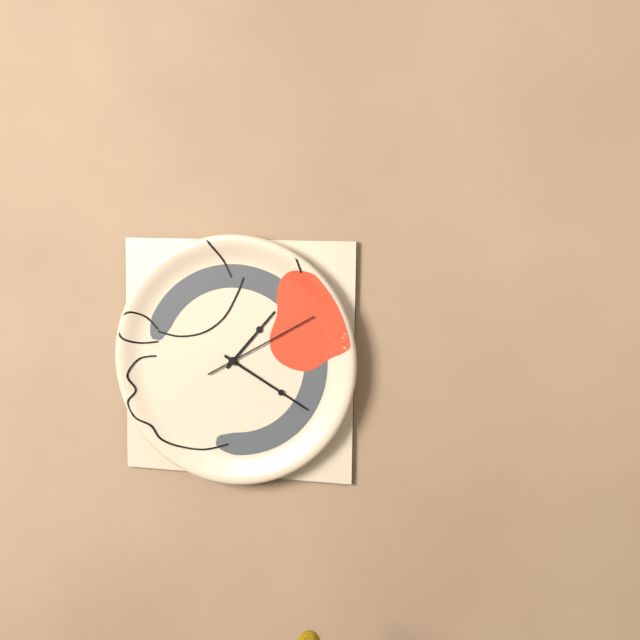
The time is 1,20,10
